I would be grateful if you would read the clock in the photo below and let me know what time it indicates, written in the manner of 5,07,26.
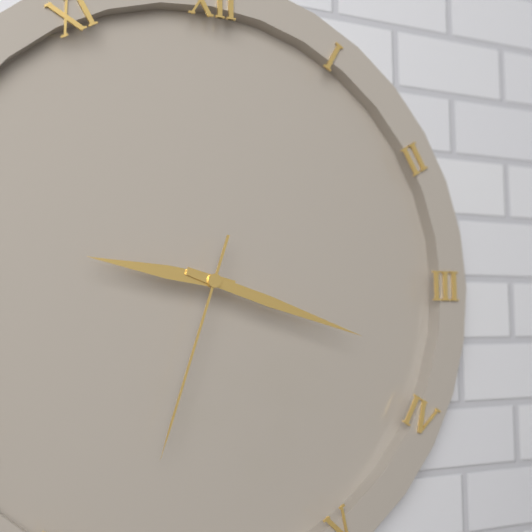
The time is 9,18,33
